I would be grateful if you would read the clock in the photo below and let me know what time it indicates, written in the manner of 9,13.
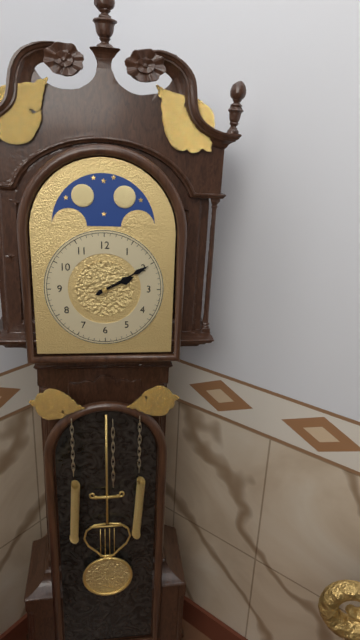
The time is 2,10
